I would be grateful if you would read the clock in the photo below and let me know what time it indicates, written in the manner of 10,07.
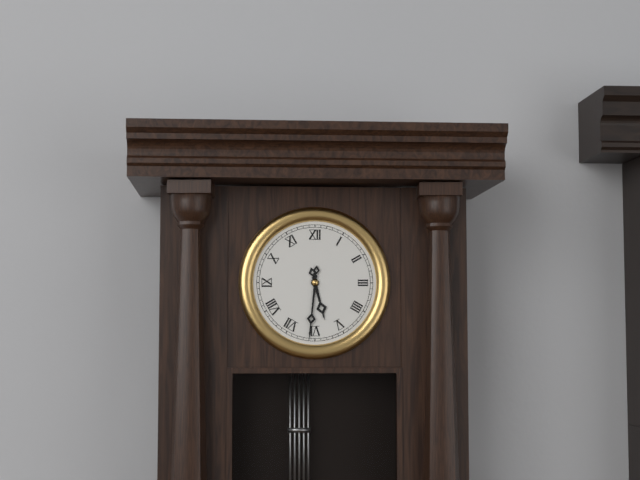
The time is 5,31
